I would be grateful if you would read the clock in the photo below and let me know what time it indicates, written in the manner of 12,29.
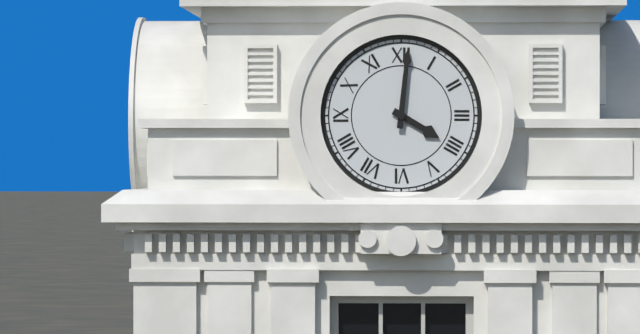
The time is 4,01
